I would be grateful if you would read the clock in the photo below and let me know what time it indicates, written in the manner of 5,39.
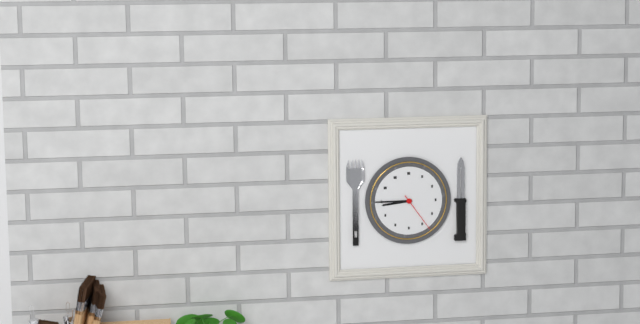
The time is 8,45
